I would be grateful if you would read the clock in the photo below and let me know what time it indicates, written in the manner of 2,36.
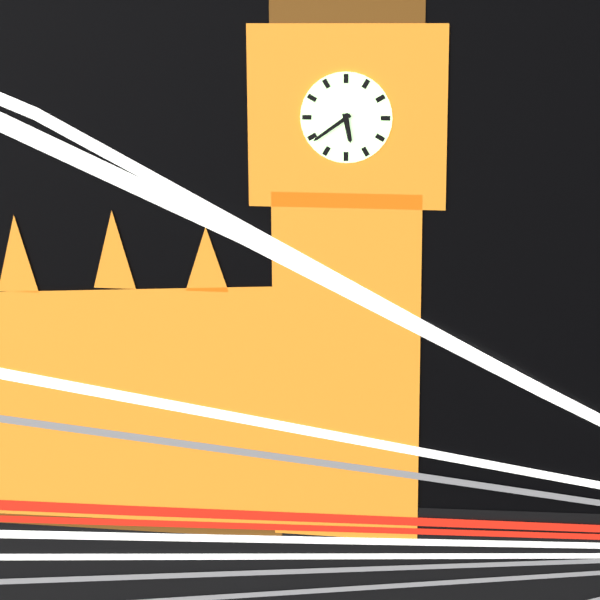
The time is 5,39
